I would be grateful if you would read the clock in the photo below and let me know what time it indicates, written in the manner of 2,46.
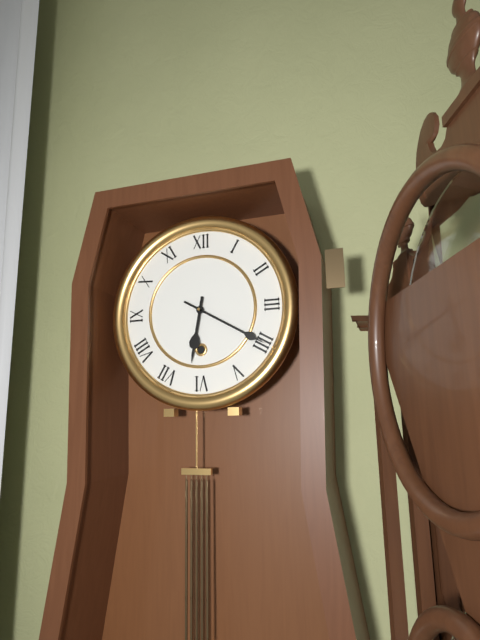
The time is 6,20
